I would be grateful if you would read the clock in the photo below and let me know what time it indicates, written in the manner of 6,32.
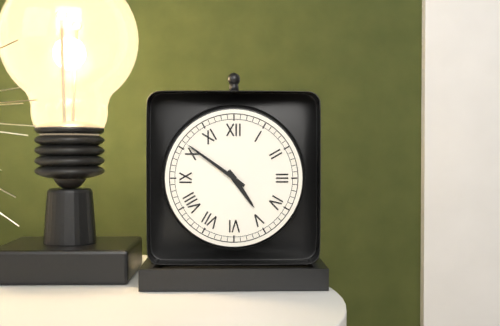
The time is 4,51
